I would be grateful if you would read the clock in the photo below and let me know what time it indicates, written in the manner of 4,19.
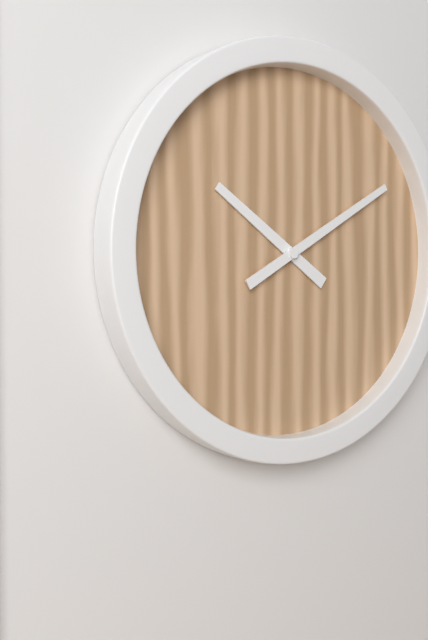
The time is 10,10
